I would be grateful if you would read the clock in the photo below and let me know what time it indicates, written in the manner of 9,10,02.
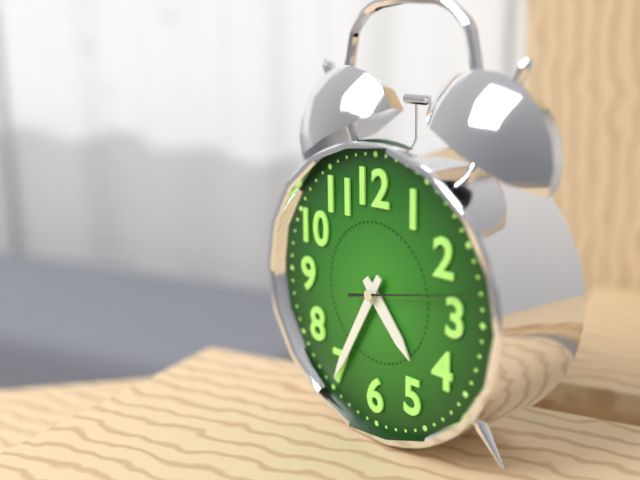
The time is 4,35,13
